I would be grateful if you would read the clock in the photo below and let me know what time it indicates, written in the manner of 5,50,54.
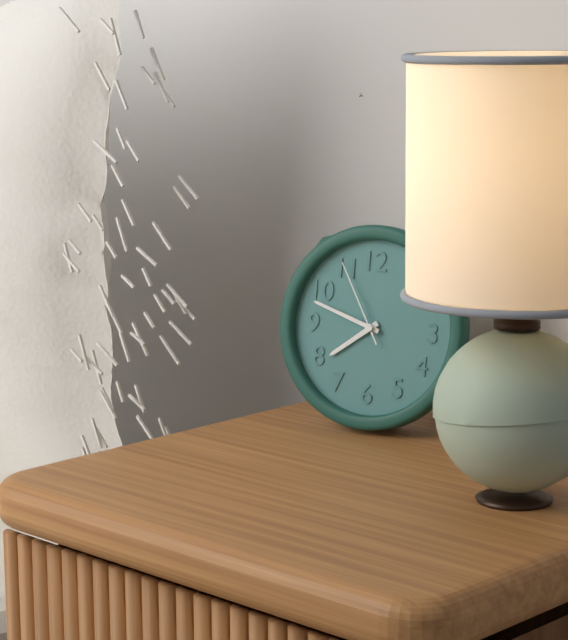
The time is 7,48,55
